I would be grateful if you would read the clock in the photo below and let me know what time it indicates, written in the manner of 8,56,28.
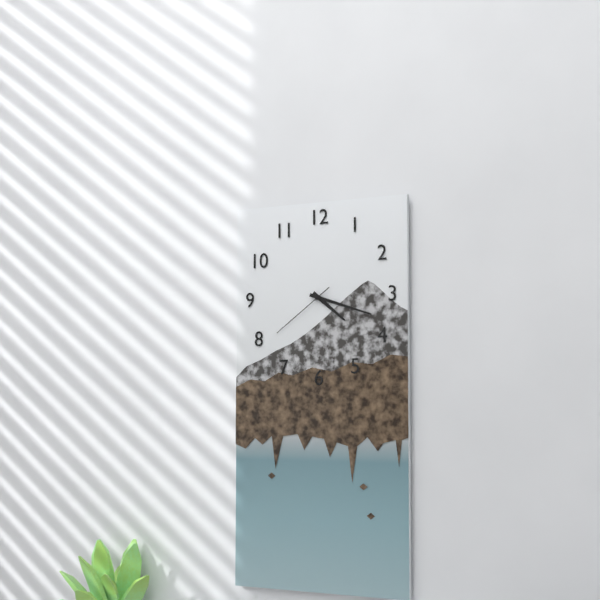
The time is 4,18,39
